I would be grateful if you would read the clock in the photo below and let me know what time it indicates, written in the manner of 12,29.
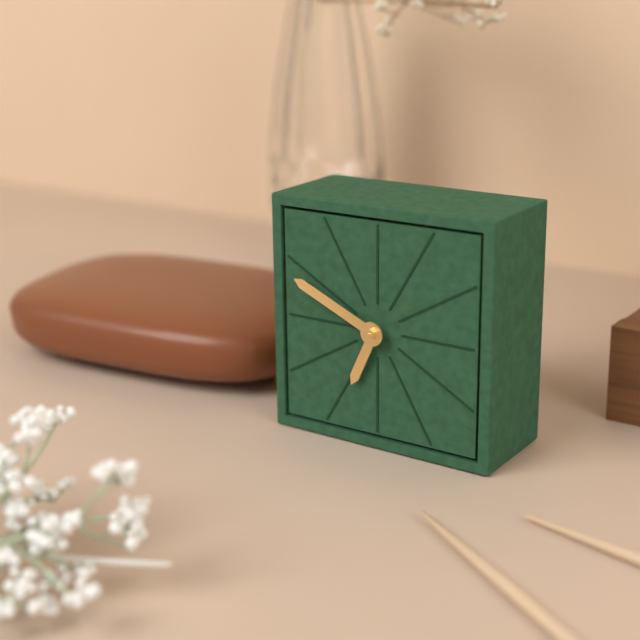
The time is 6,49
